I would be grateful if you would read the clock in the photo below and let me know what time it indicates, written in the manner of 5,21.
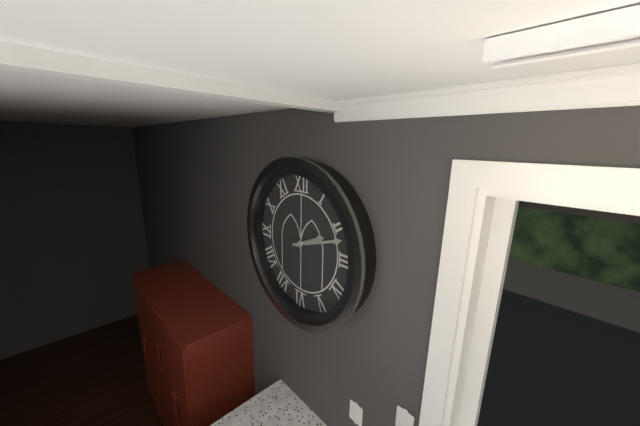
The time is 2,12
